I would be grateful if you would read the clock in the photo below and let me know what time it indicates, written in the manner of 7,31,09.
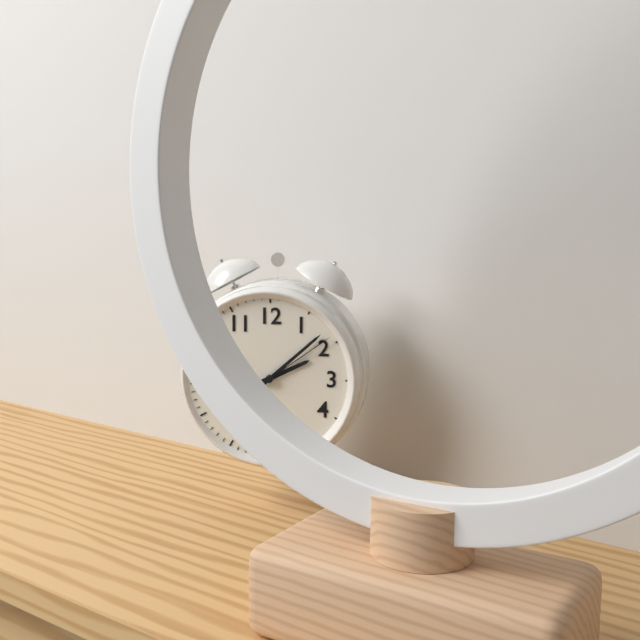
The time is 2,08,09
